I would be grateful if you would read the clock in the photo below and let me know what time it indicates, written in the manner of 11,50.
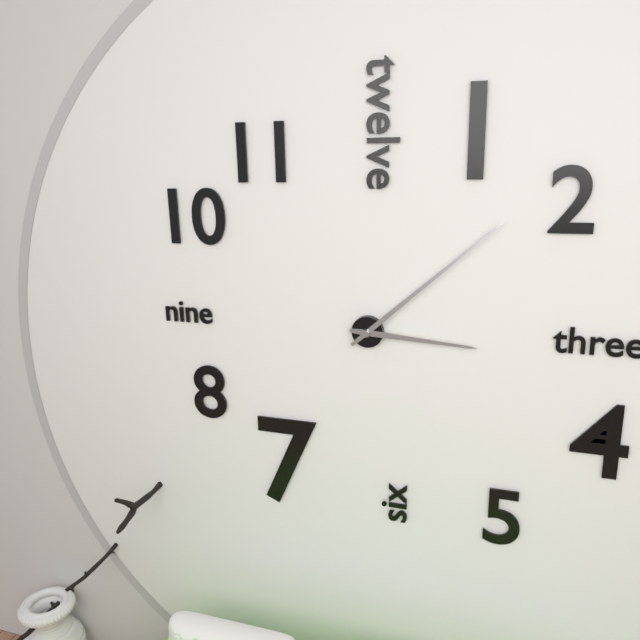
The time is 3,08
